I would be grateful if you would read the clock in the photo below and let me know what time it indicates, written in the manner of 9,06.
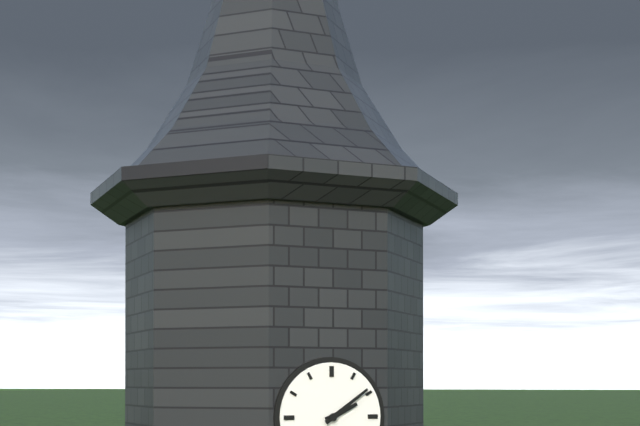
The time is 2,09
